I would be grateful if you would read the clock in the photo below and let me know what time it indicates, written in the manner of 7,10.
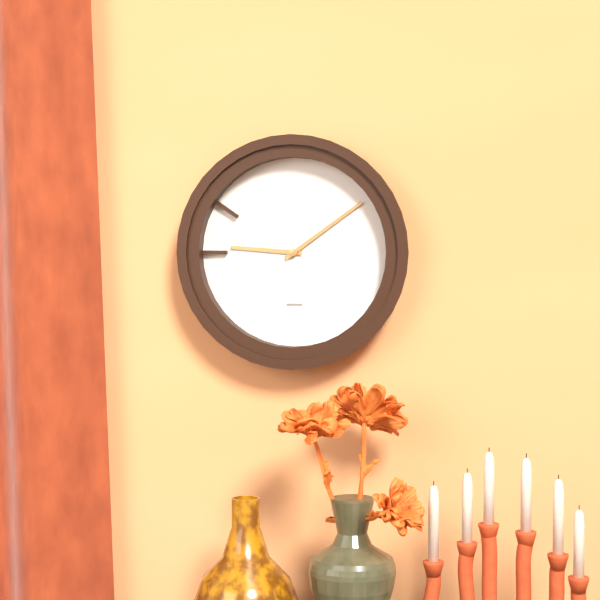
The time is 9,09
